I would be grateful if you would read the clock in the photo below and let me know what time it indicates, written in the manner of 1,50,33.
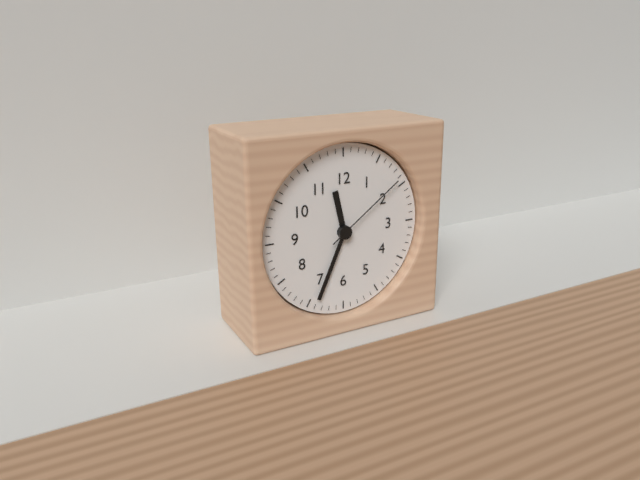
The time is 11,34,09
